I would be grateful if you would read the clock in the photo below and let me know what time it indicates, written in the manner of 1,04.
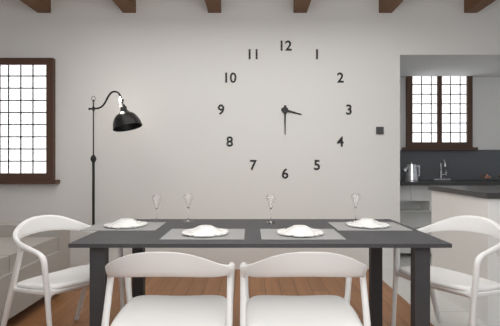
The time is 3,30
